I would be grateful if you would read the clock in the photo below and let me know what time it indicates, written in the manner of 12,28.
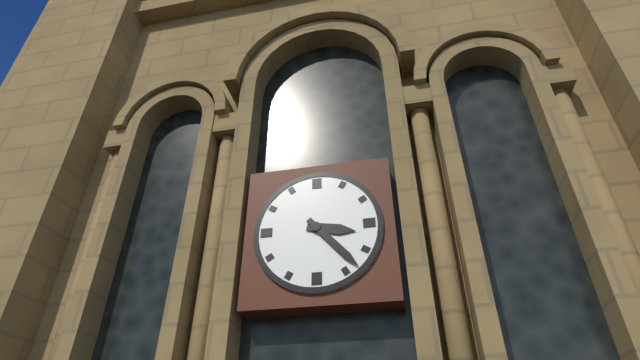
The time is 3,23
